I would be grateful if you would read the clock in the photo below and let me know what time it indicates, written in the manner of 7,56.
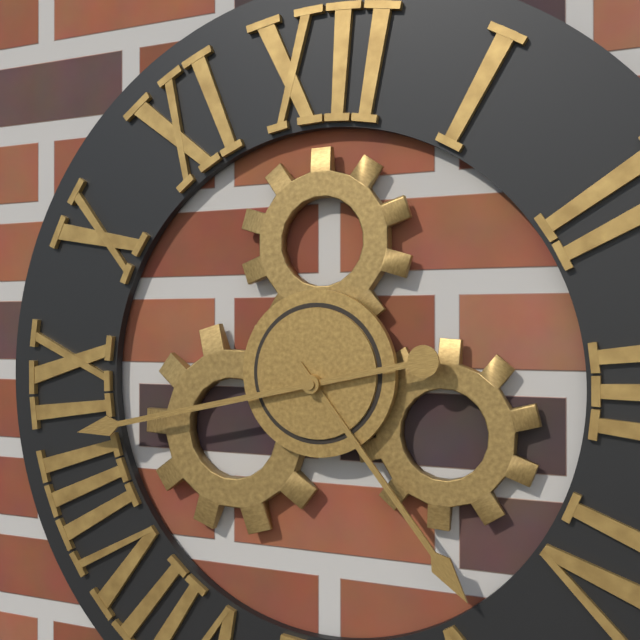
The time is 4,43
